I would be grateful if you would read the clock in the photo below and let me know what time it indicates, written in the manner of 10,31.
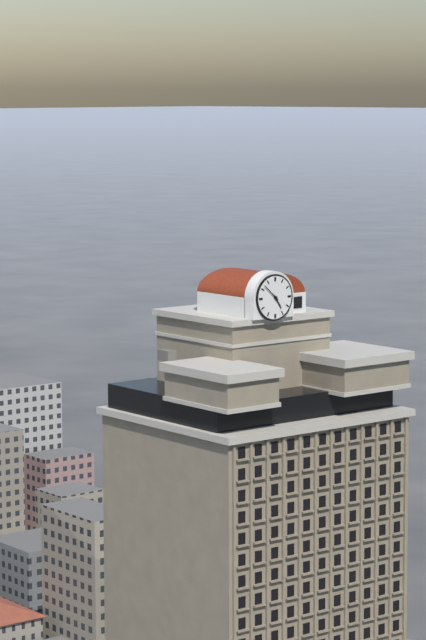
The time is 4,52
